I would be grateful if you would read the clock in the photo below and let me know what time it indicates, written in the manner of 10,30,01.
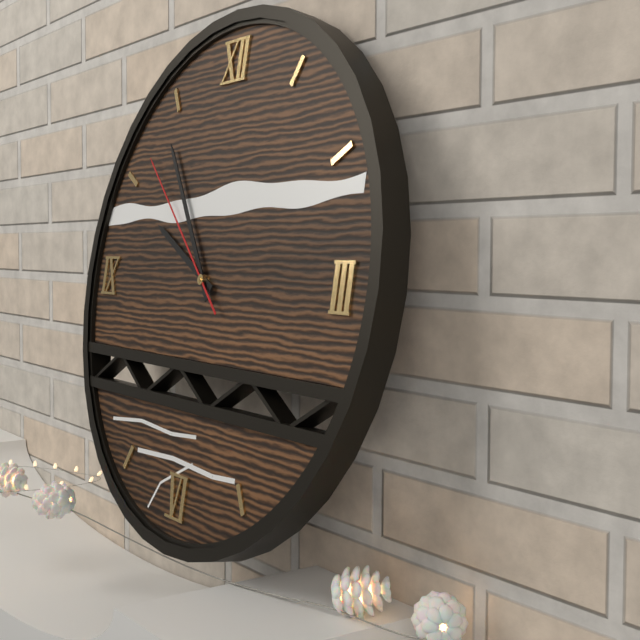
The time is 9,54,52
